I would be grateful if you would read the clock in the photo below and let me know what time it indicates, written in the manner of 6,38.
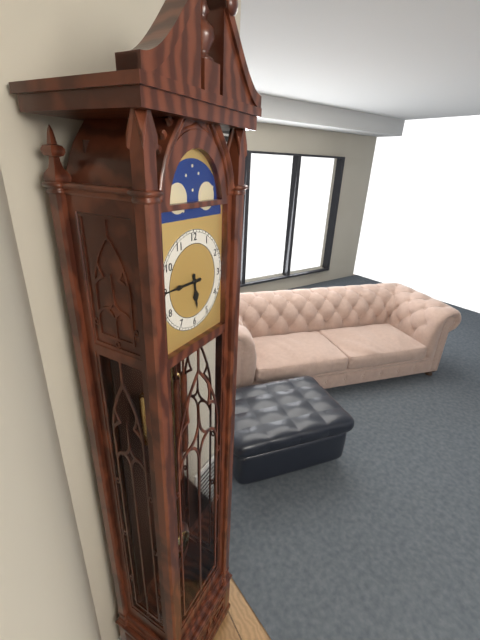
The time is 5,45
